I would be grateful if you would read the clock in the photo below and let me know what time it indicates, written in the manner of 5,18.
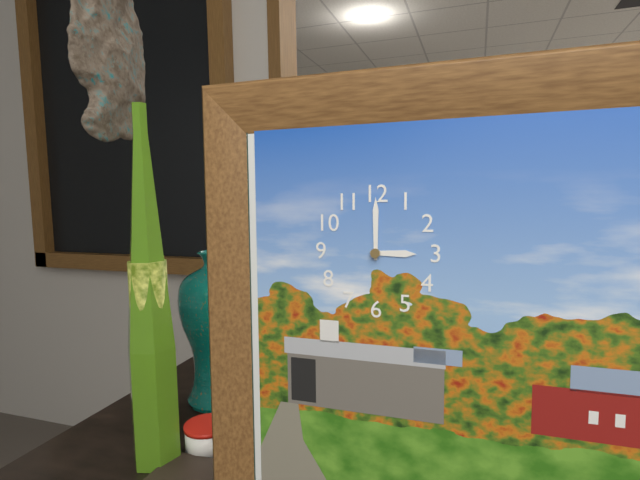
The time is 3,00
